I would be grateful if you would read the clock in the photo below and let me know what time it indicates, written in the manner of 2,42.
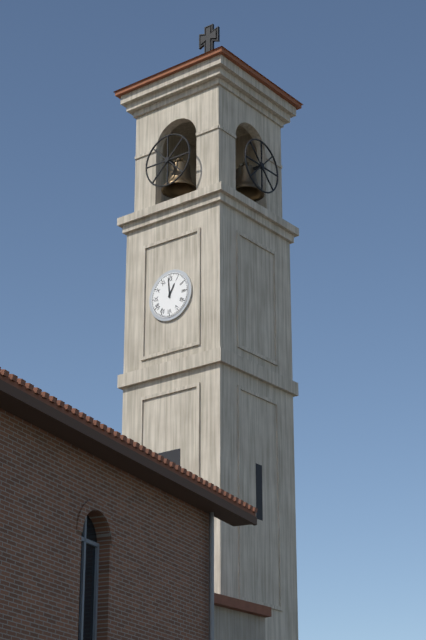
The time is 12,59
